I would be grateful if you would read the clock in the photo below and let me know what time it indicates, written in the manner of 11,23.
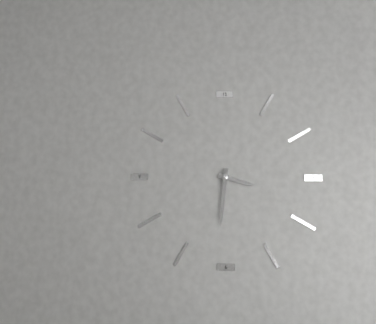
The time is 3,31
